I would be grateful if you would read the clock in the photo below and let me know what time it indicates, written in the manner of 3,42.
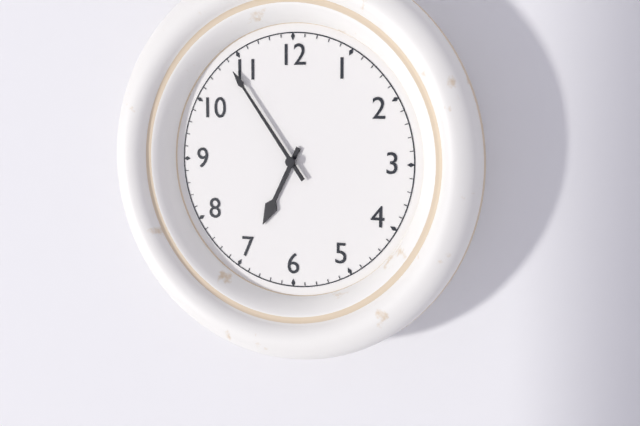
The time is 6,54
